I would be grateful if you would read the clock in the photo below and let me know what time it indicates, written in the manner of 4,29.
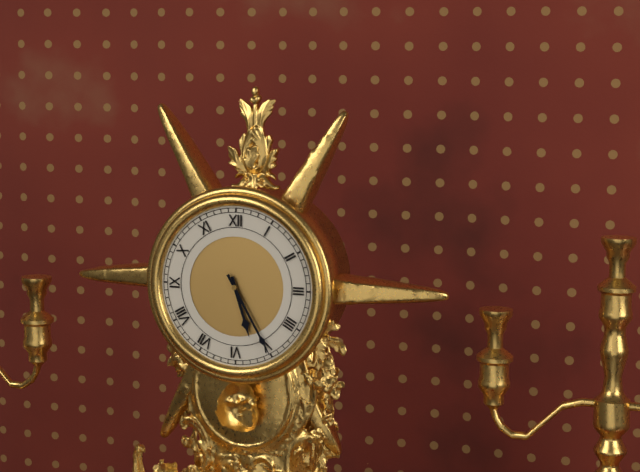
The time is 5,25
